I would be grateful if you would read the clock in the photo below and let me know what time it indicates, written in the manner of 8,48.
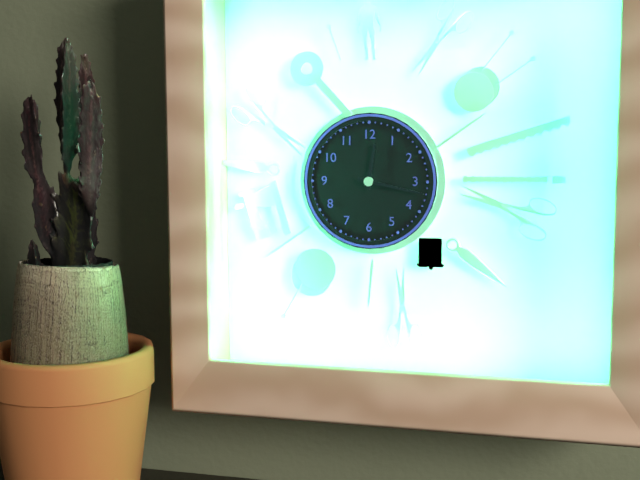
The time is 12,17
